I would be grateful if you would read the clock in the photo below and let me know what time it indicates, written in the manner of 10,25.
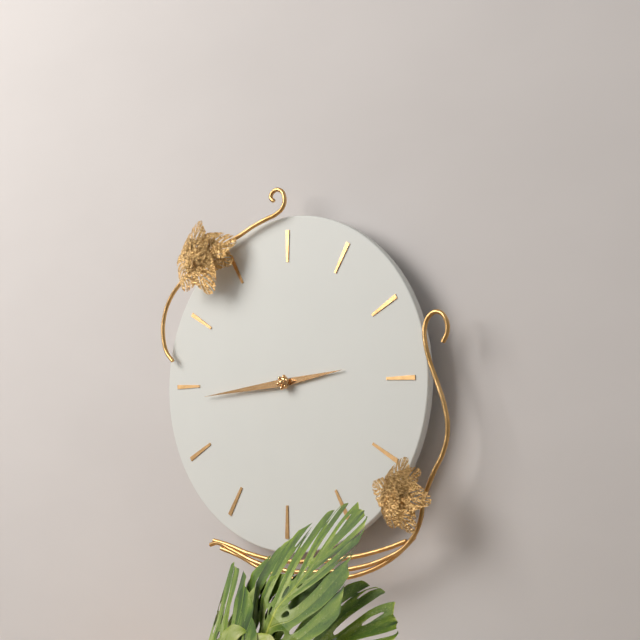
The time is 2,44
